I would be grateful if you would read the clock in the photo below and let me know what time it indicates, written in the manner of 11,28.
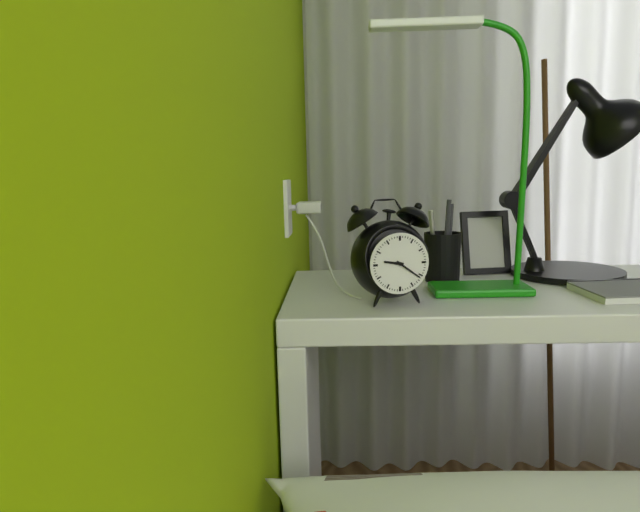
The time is 9,21
